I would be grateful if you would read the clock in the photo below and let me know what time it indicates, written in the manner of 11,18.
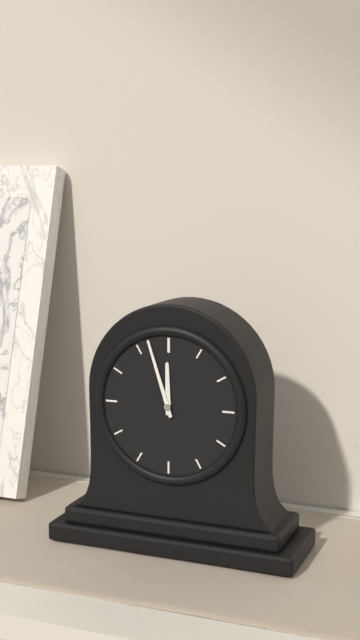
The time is 11,57
